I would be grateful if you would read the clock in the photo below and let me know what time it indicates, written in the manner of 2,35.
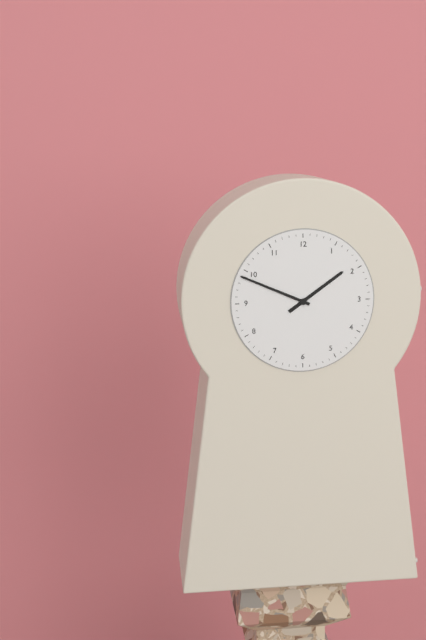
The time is 1,49
